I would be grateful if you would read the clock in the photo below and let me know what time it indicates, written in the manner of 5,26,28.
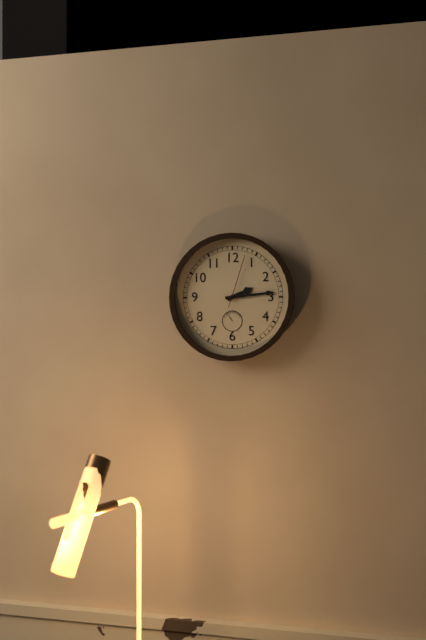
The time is 2,14,03
